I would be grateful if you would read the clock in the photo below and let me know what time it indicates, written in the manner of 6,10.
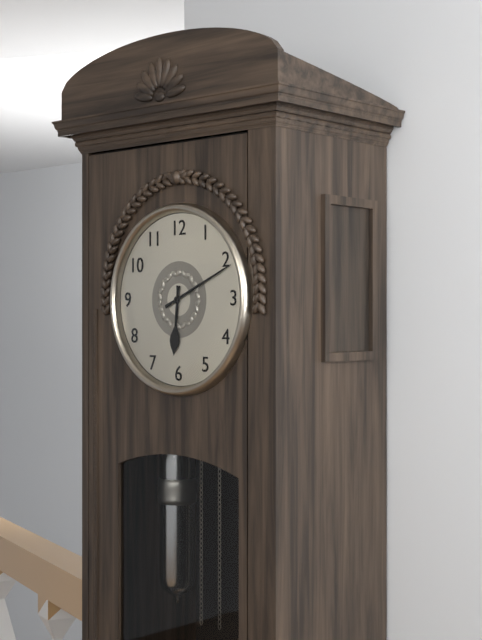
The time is 6,11
